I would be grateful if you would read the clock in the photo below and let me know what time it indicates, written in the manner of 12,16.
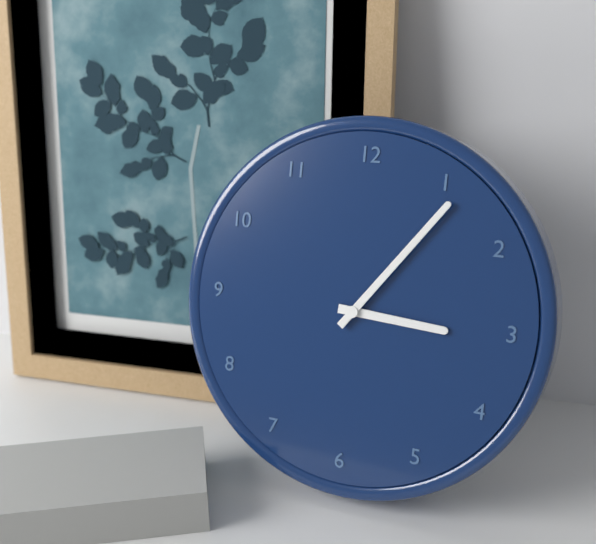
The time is 3,06
